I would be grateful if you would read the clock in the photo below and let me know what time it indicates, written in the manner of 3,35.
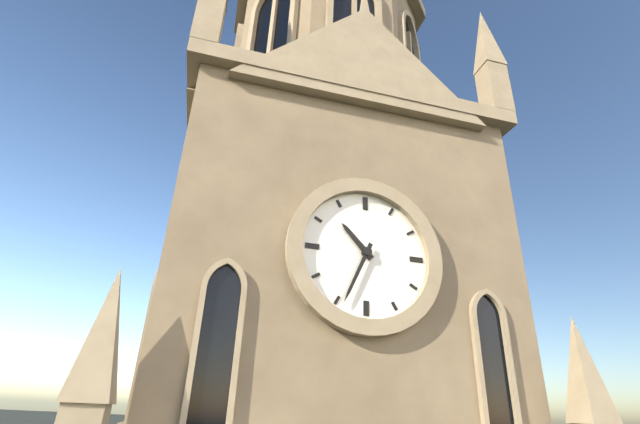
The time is 10,34
